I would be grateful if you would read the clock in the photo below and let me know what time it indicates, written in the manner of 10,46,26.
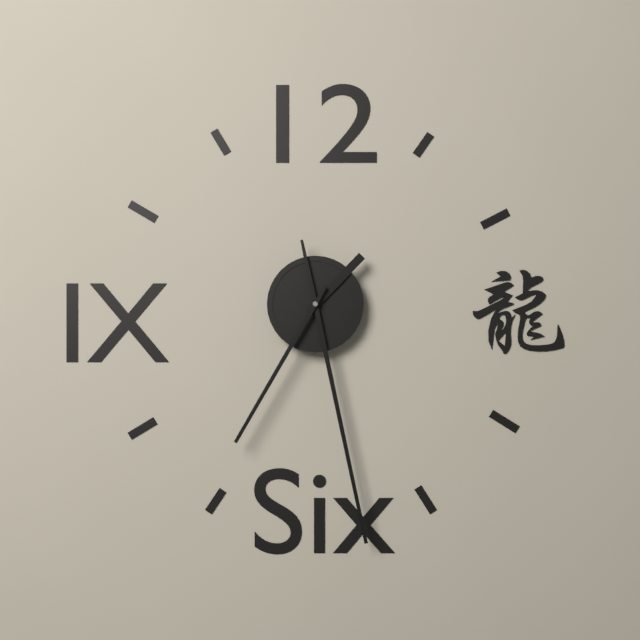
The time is 1,28,35
